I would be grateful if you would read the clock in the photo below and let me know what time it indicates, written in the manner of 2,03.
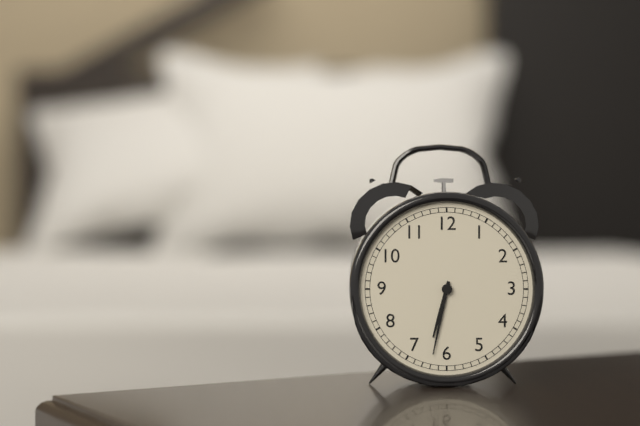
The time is 6,32
